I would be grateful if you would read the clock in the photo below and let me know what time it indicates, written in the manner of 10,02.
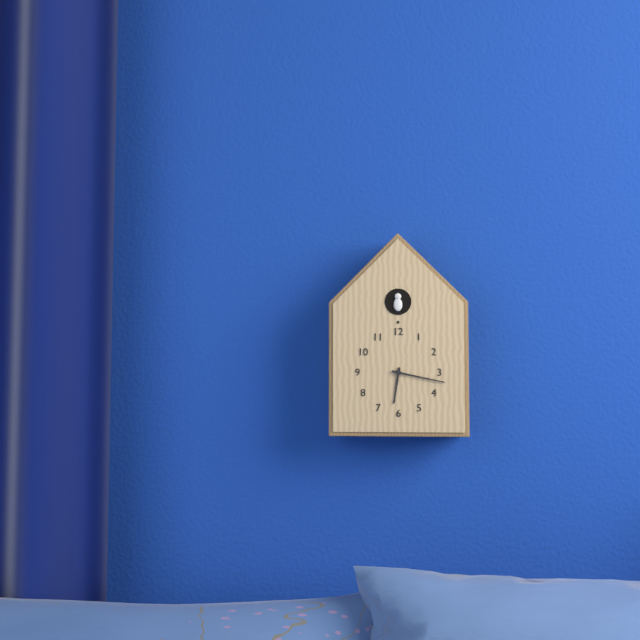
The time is 6,17
